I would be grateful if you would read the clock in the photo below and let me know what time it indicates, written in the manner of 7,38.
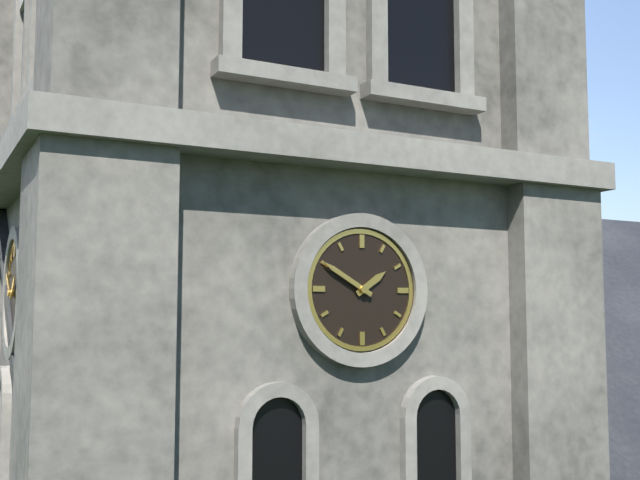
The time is 1,50
